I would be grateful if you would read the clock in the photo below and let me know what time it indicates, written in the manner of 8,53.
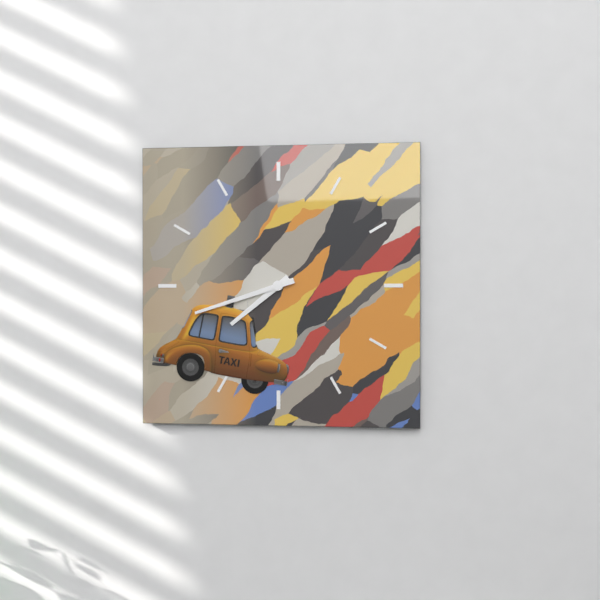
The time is 7,42
